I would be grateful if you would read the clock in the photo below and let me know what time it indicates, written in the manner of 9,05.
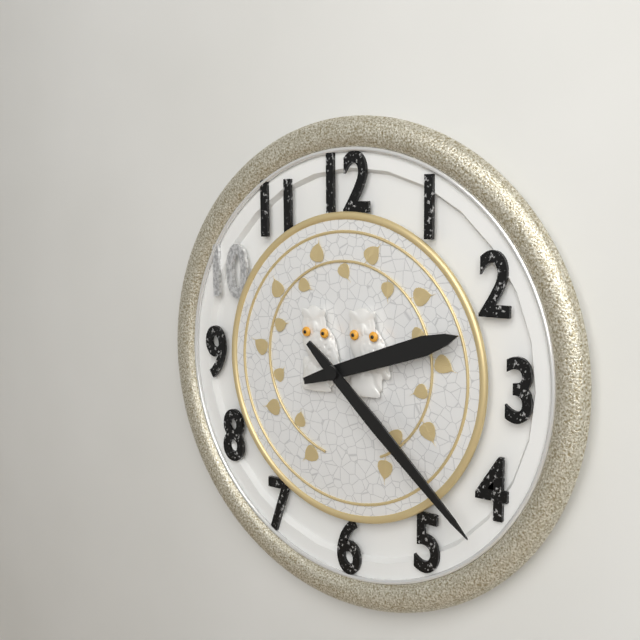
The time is 2,22
